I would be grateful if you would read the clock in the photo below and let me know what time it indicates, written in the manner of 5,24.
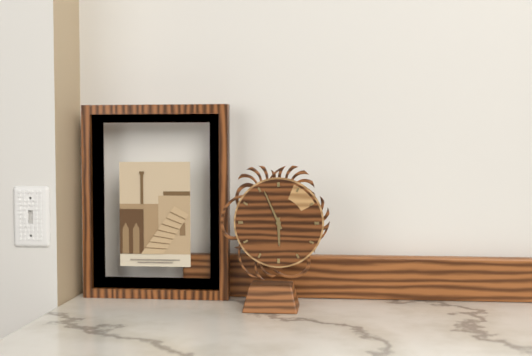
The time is 5,56
